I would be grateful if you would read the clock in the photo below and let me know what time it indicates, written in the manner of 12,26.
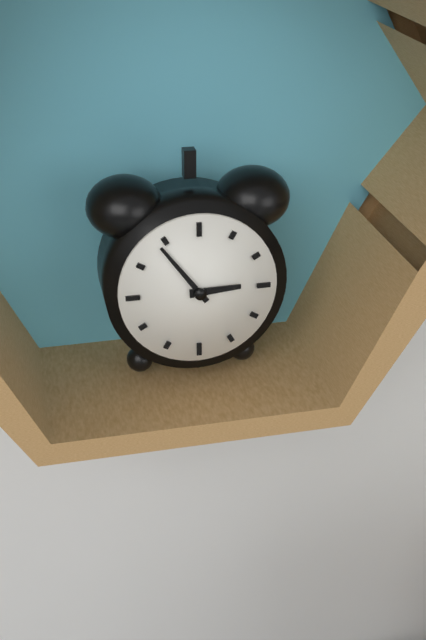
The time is 2,54
